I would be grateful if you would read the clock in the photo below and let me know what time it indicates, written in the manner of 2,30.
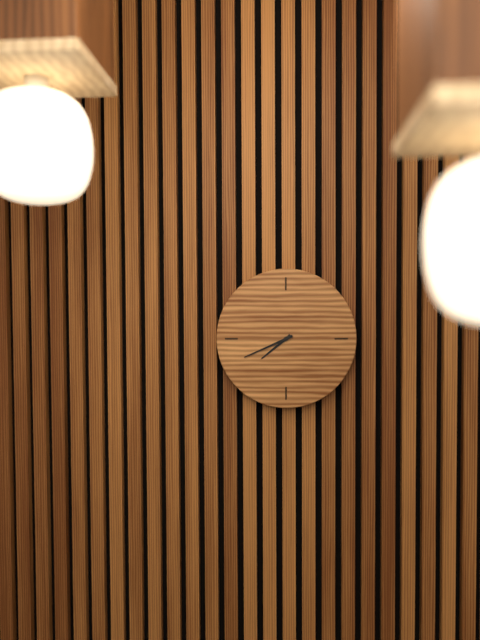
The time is 7,41
